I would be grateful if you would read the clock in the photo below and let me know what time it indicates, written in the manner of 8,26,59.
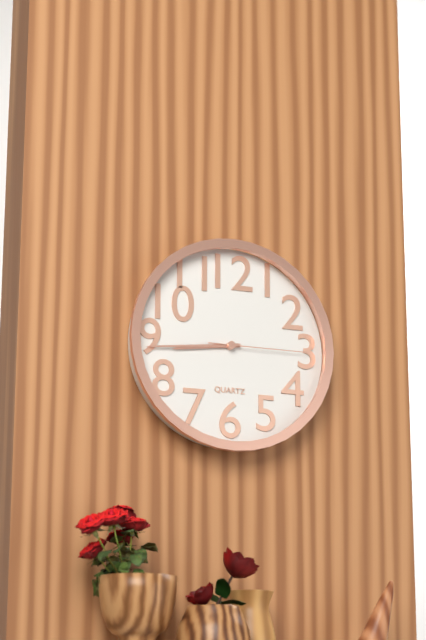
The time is 8,44,15
